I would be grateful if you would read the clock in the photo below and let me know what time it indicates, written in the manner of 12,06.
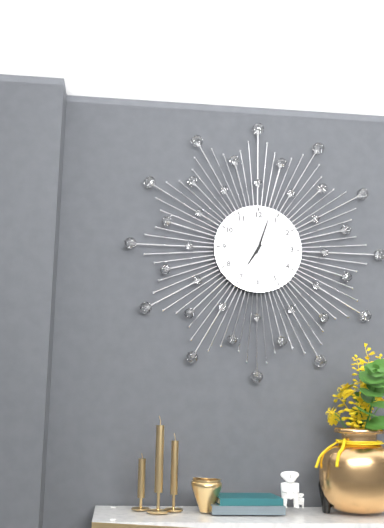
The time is 7,03
